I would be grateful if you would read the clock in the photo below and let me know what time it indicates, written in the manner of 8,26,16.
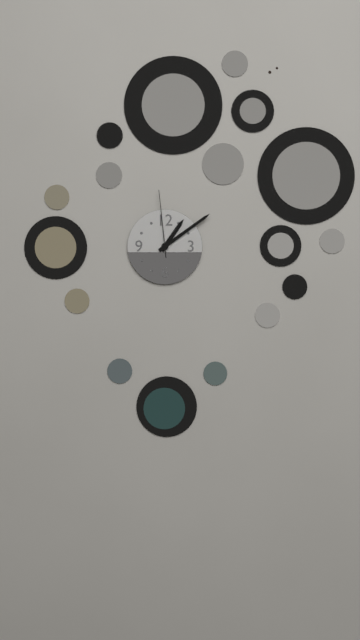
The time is 1,09,59
